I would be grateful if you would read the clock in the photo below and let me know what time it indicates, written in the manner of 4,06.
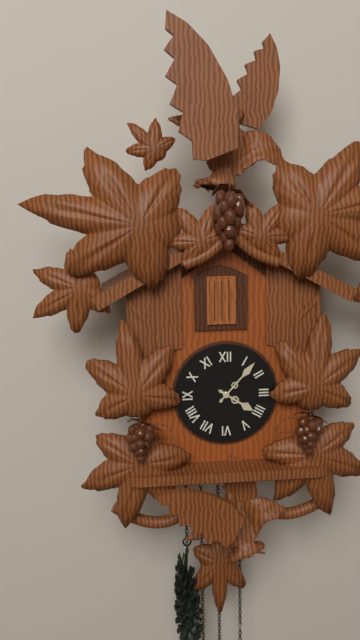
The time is 4,07
